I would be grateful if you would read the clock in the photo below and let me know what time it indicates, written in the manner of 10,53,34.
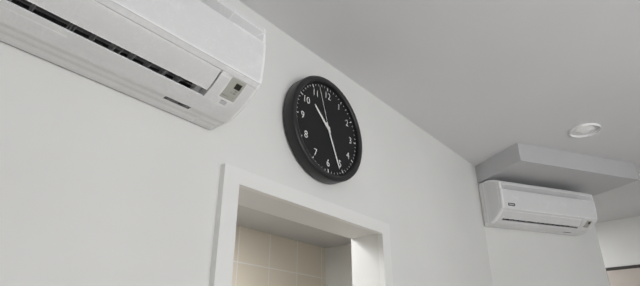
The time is 10,26,57
